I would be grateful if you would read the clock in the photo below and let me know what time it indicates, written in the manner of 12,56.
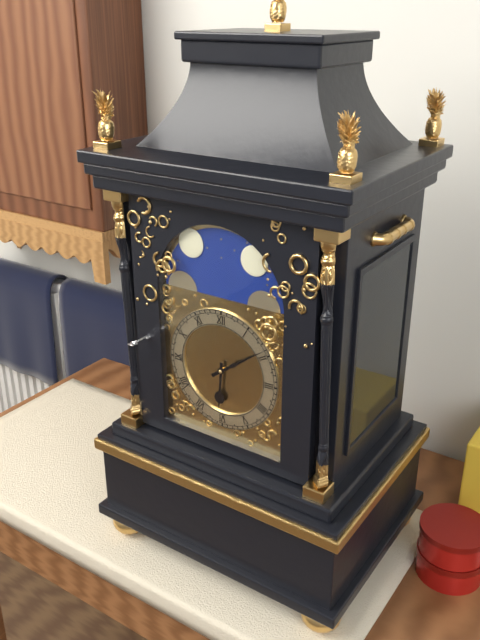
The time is 6,09
